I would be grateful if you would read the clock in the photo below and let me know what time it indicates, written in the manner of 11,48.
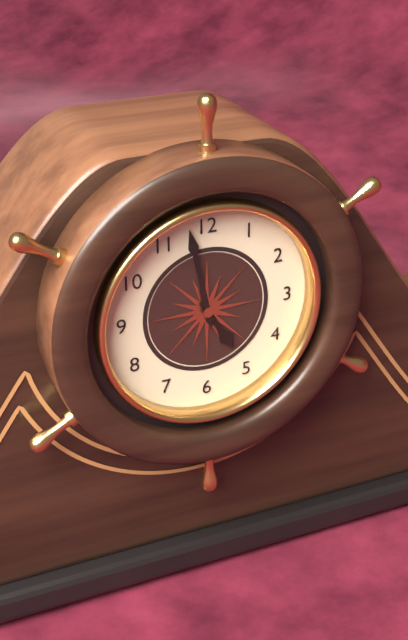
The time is 4,58
